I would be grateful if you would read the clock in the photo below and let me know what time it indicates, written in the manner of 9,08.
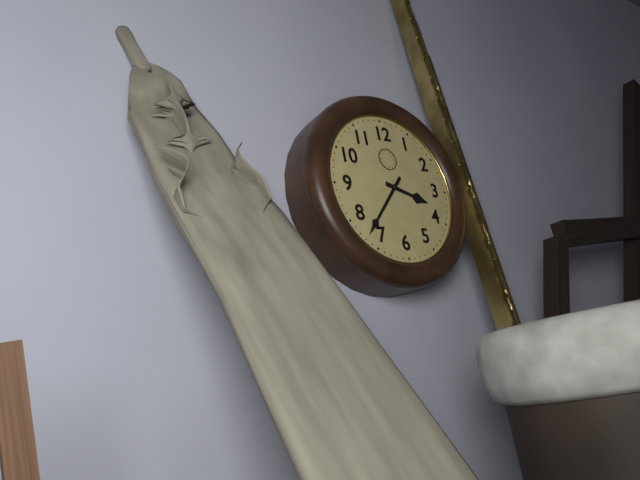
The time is 3,37
